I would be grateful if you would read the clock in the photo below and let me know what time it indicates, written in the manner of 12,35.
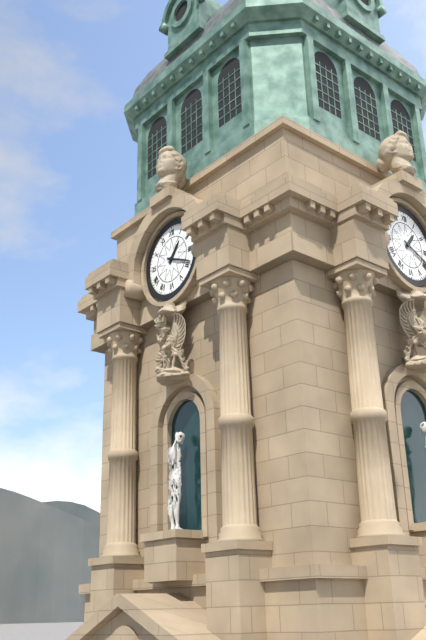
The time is 1,19
